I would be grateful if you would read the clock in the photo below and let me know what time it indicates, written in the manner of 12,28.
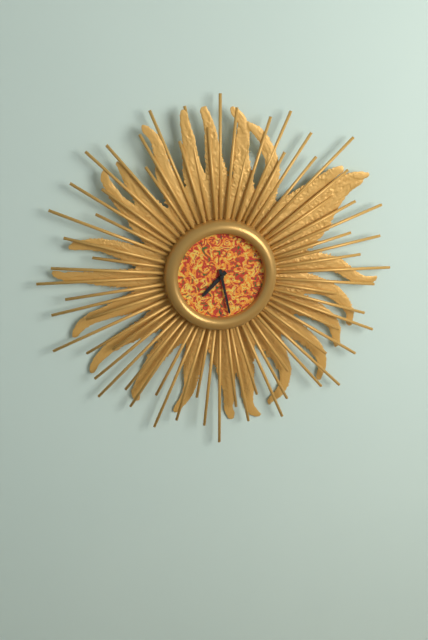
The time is 7,28
